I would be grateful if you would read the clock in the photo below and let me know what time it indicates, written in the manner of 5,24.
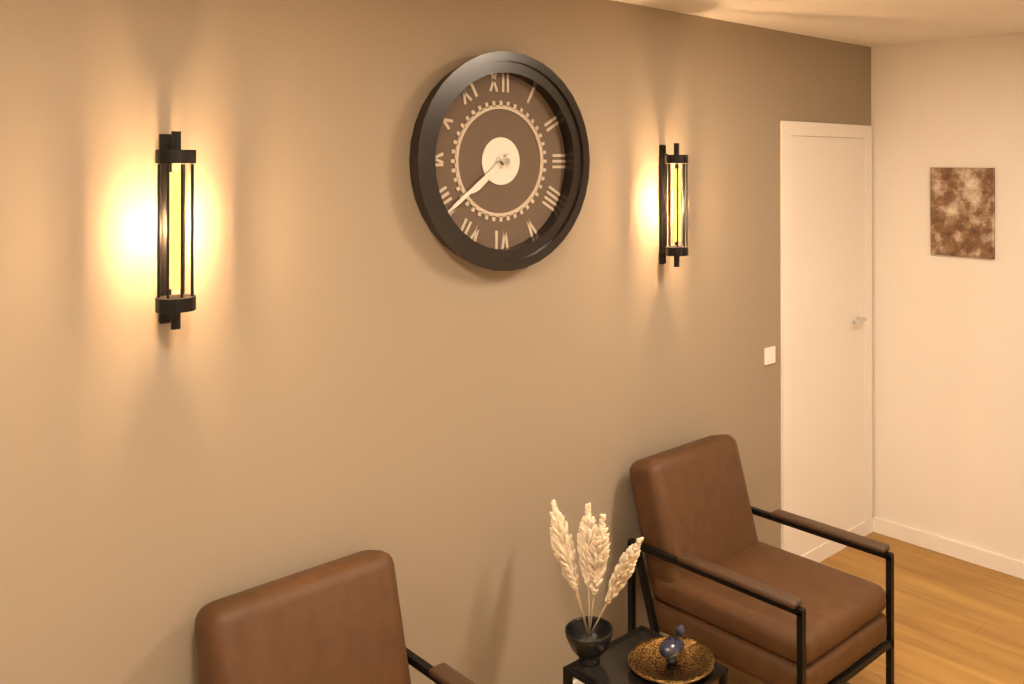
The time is 7,39
